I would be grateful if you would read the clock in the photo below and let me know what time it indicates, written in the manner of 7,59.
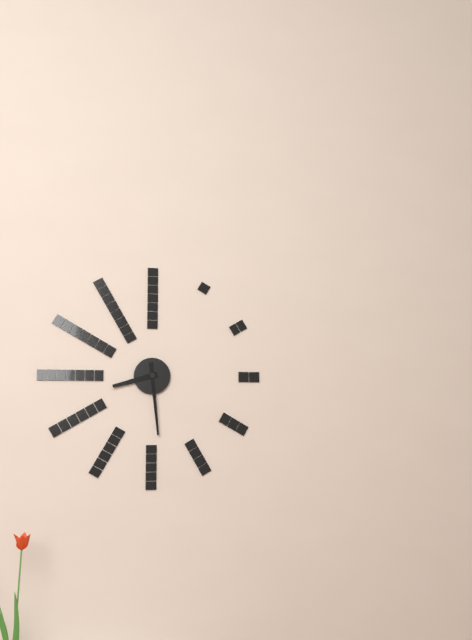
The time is 8,29
